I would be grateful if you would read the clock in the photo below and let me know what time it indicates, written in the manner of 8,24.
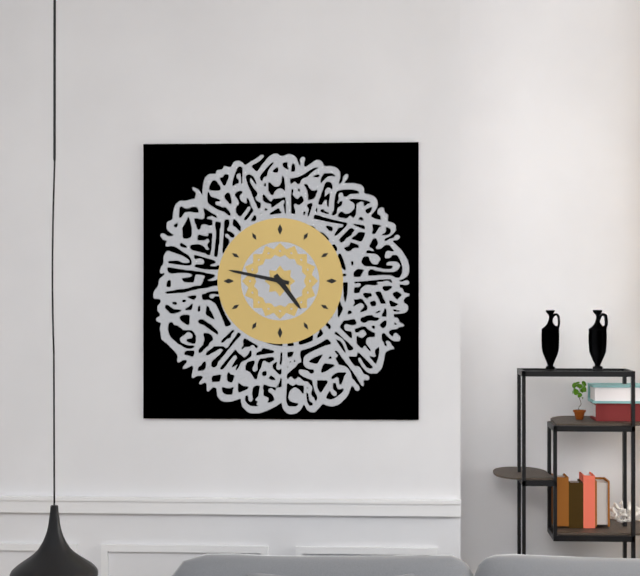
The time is 4,47
